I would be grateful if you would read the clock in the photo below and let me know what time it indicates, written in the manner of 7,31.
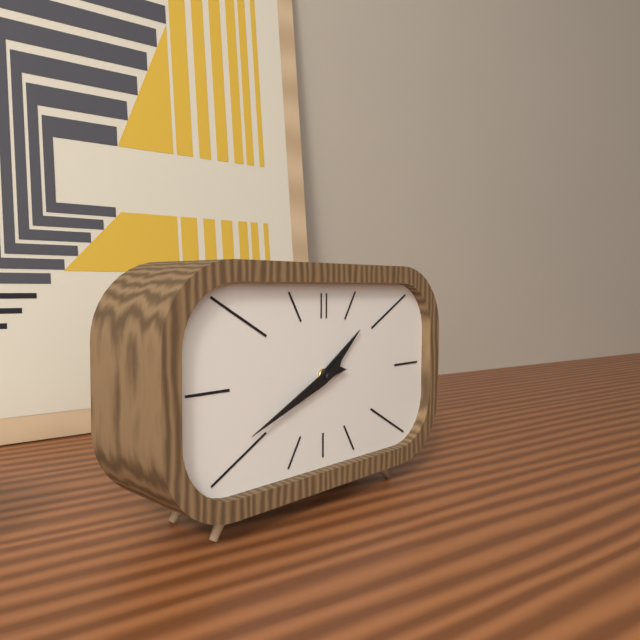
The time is 1,41
